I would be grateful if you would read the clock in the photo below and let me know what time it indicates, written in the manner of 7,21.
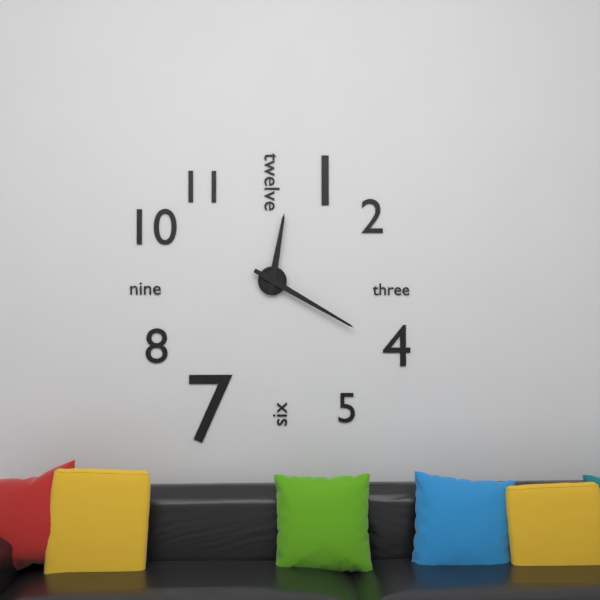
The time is 12,20
